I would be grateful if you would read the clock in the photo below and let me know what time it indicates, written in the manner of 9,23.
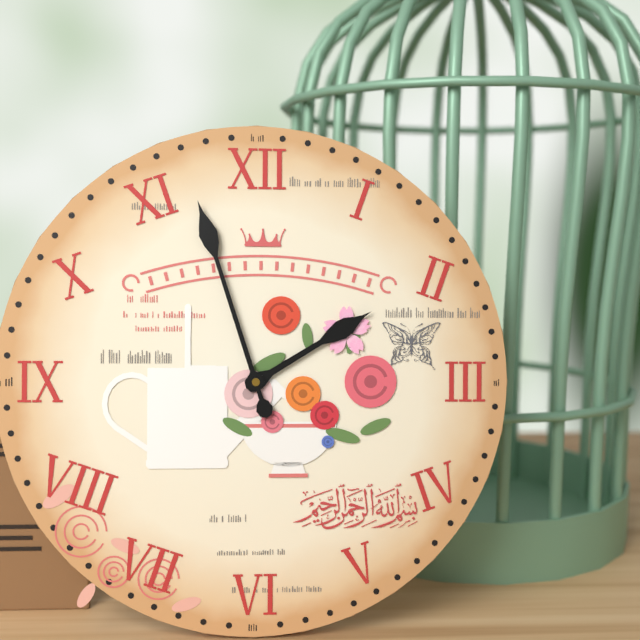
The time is 1,57
